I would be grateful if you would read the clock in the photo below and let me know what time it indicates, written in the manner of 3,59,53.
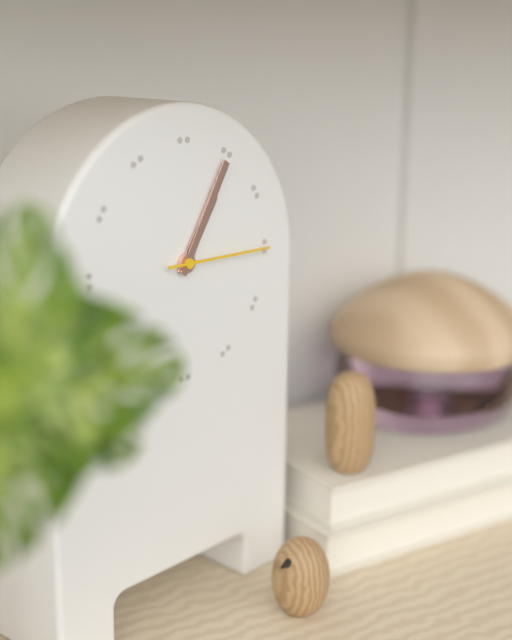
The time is 1,05,15
